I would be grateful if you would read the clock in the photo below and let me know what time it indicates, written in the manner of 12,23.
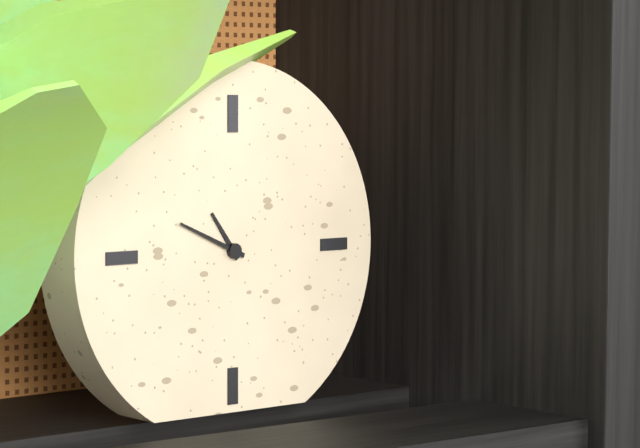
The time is 10,49
